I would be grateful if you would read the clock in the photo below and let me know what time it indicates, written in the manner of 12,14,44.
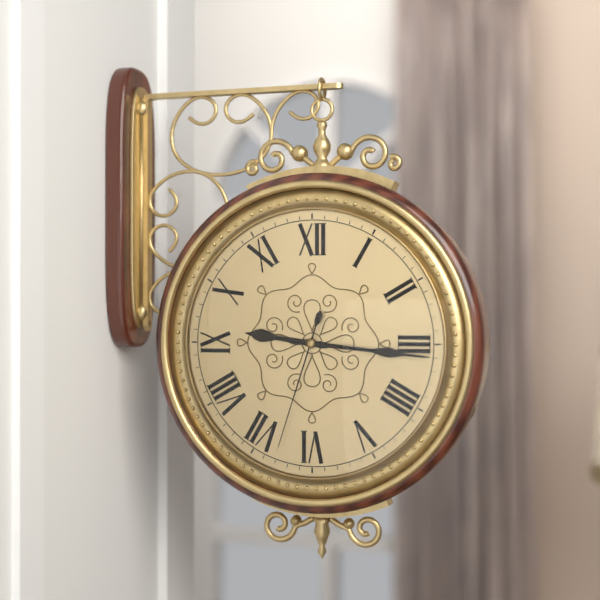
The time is 9,16,33
